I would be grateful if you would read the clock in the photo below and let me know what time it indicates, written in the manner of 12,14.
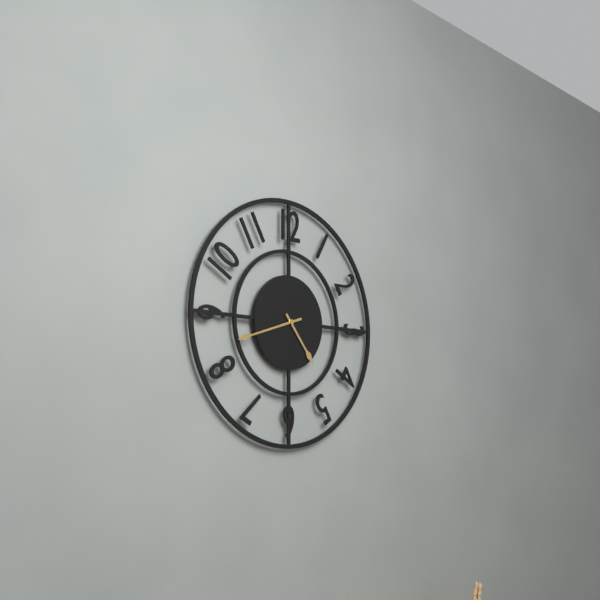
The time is 4,42
